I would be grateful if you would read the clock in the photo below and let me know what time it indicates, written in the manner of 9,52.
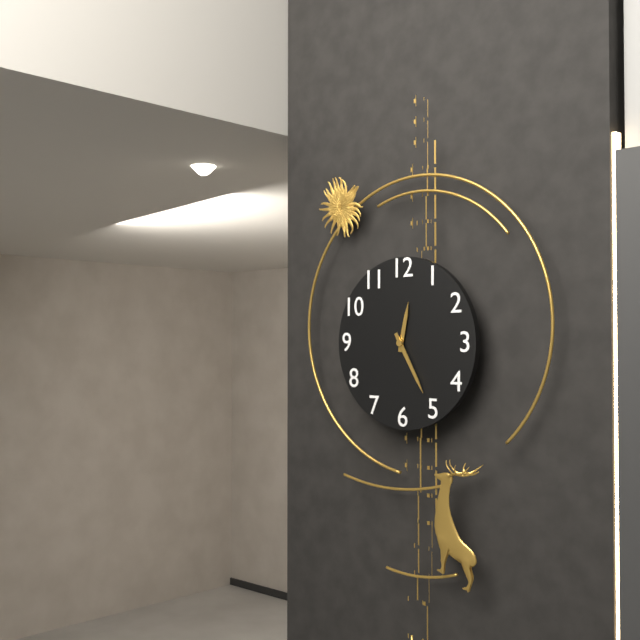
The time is 12,25
